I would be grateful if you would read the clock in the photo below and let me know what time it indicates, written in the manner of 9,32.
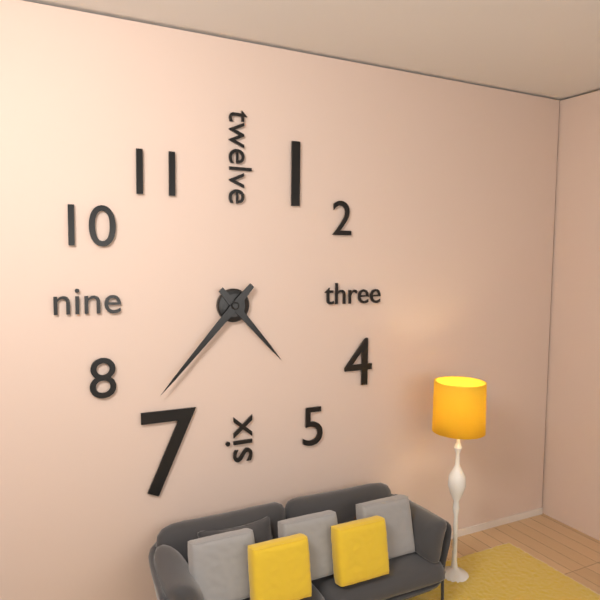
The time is 4,37
